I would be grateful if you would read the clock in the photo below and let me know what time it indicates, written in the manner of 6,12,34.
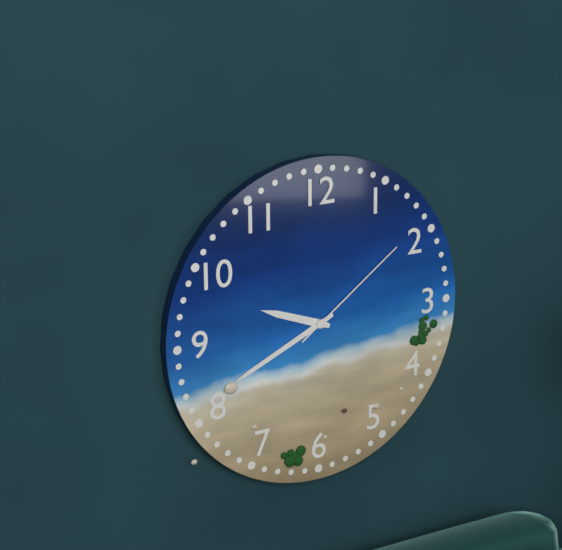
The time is 9,41,09
